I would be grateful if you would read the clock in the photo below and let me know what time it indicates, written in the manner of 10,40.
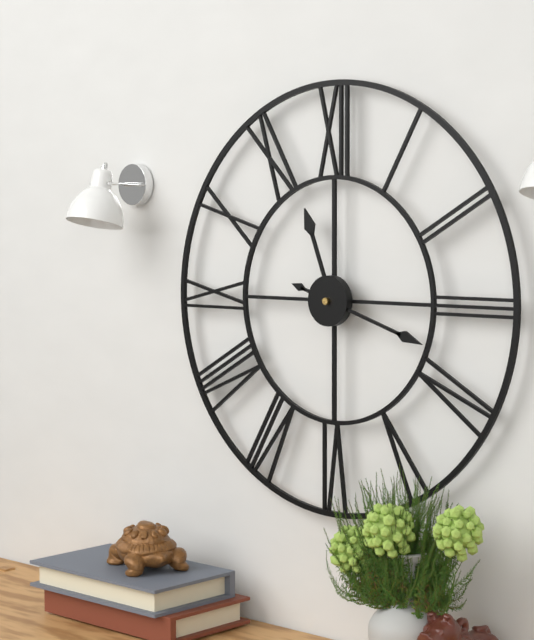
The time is 11,18
